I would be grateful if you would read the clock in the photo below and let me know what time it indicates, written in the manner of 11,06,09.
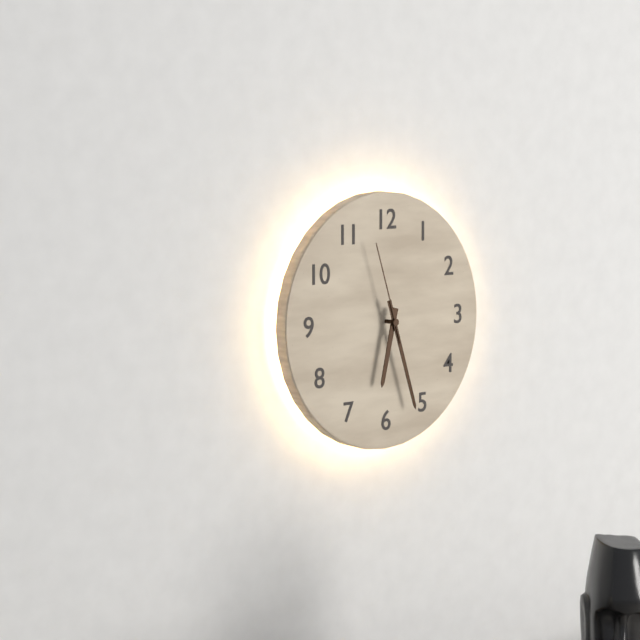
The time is 6,27,57
